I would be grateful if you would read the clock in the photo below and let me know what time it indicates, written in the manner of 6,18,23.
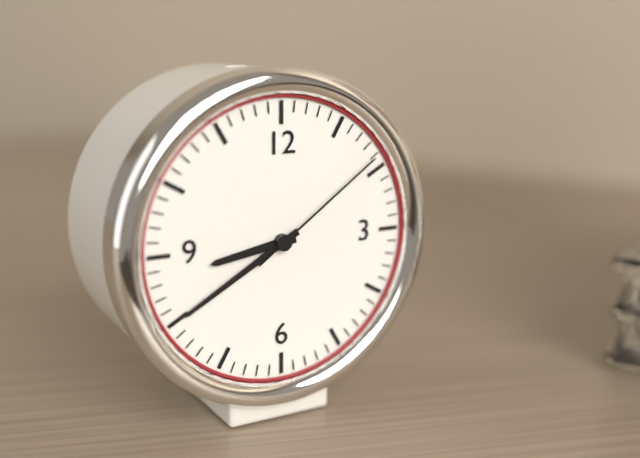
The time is 8,40,09
